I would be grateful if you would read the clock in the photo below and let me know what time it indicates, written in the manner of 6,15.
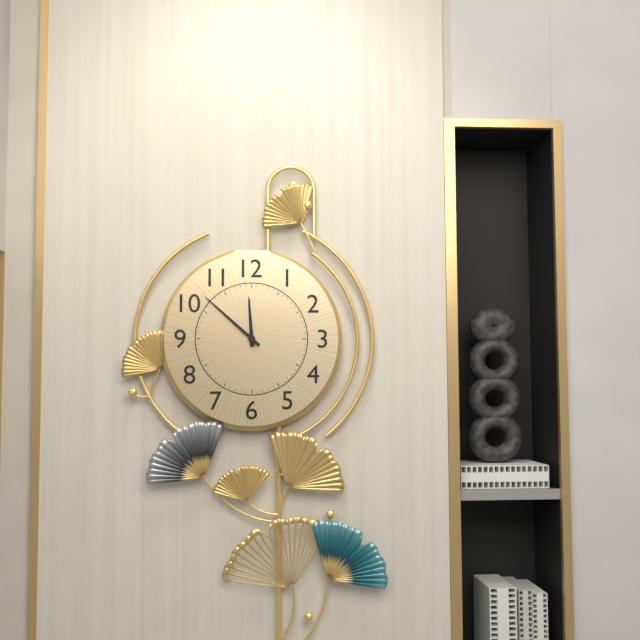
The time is 11,52
